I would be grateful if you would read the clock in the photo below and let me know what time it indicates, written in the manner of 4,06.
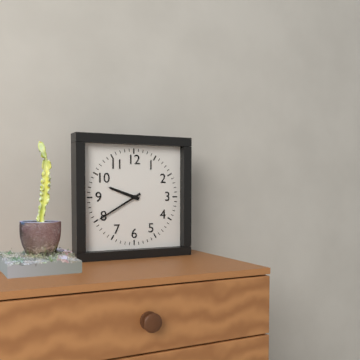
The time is 9,40
